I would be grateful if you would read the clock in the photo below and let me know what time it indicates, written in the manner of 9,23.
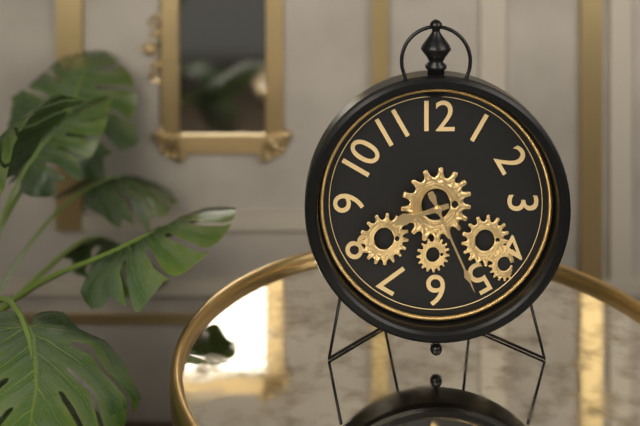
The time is 8,26
